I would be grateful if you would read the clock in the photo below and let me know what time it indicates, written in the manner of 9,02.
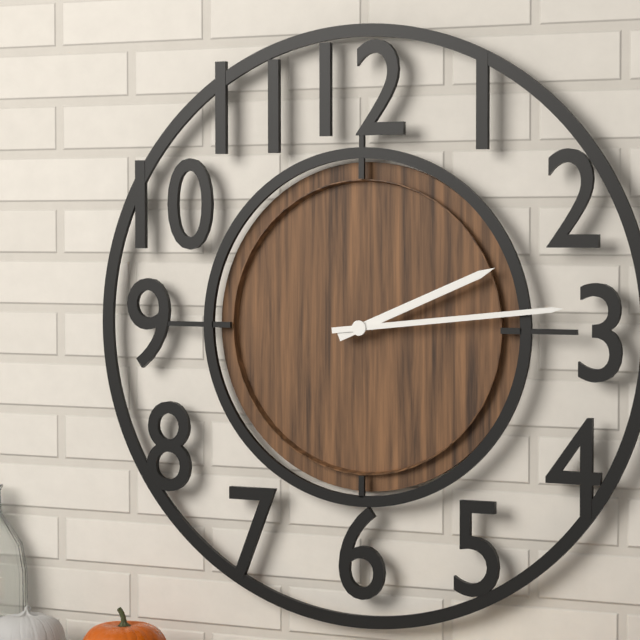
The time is 2,14
